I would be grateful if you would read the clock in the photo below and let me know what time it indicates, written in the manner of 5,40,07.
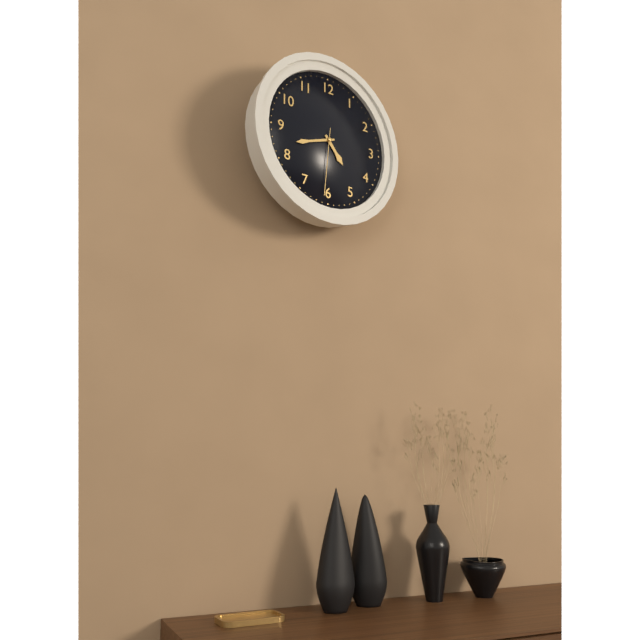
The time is 4,42,31
